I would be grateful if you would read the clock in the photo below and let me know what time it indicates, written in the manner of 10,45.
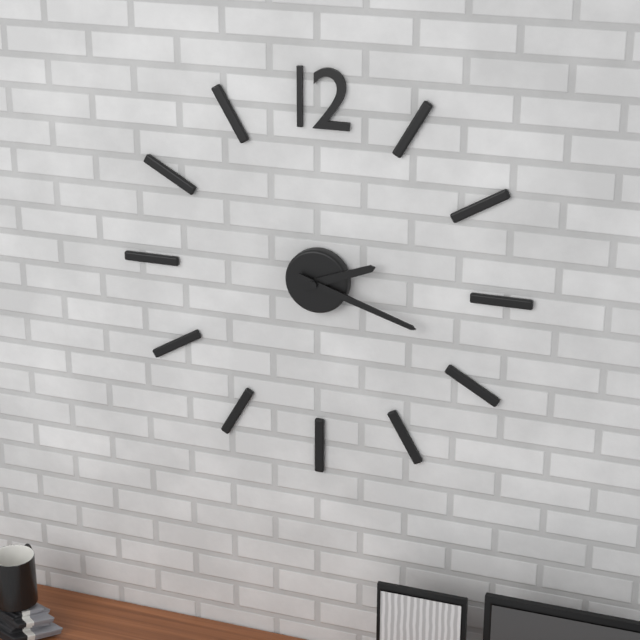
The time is 2,18
